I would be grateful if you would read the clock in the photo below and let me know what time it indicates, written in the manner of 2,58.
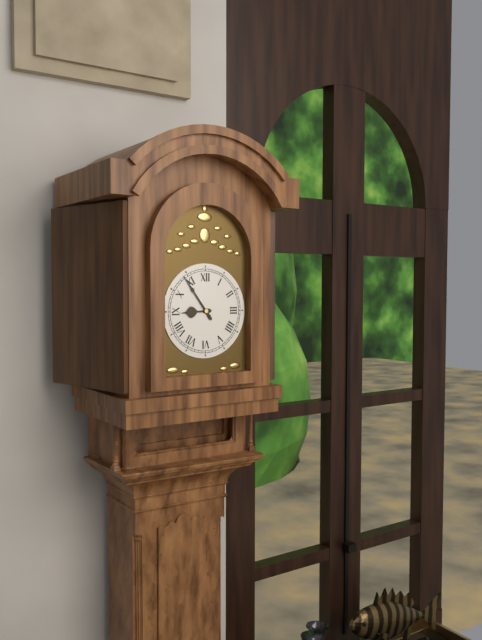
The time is 8,54
